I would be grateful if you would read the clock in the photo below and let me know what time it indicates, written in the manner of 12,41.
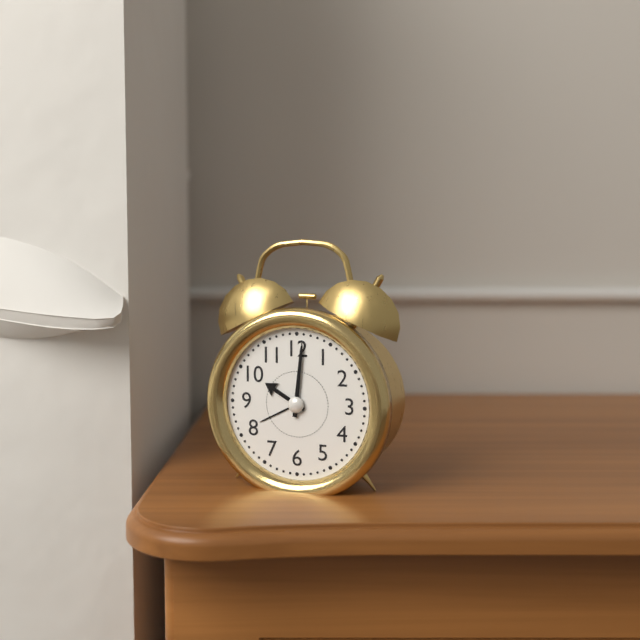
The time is 10,01
